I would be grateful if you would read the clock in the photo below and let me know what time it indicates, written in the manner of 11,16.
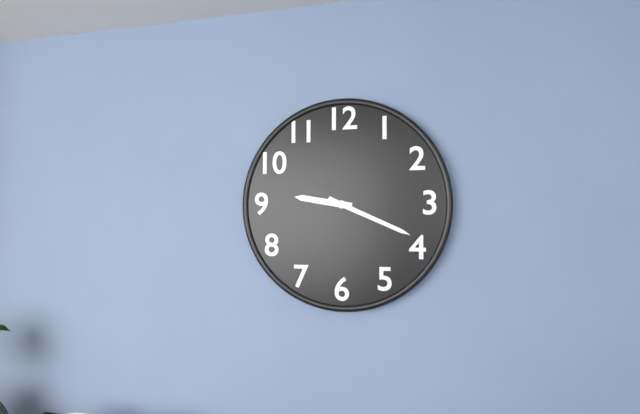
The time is 9,19
